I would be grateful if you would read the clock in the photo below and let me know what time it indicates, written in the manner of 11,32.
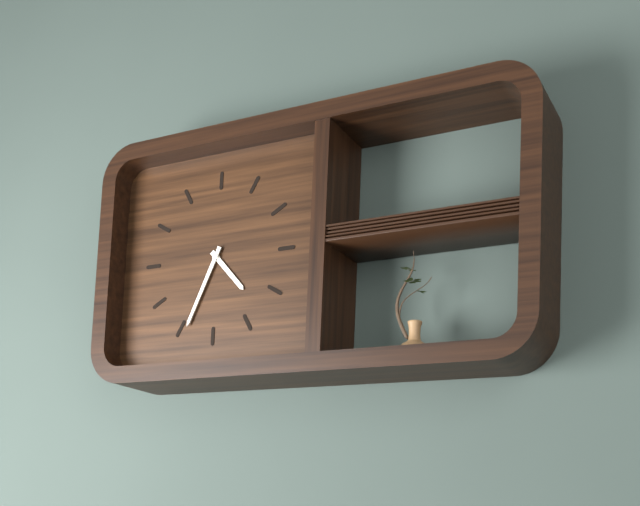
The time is 4,34
